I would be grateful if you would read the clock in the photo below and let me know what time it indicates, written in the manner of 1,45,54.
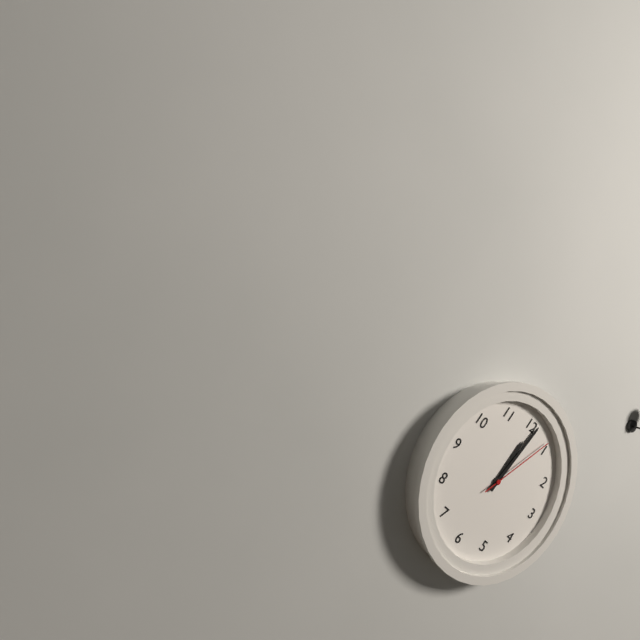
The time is 12,01,04
